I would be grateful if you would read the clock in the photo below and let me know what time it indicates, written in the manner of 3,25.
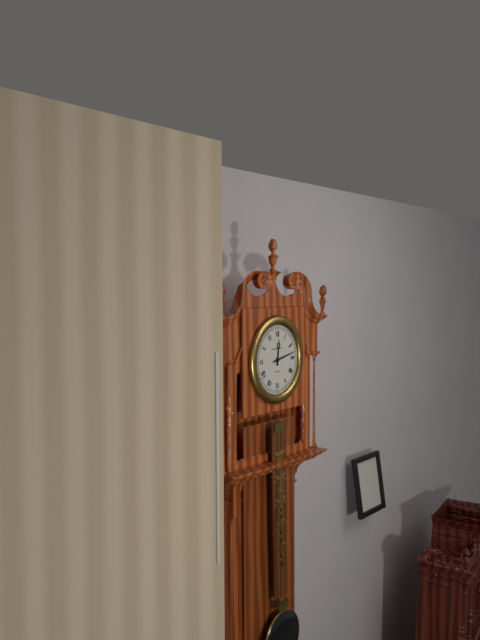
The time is 12,13
